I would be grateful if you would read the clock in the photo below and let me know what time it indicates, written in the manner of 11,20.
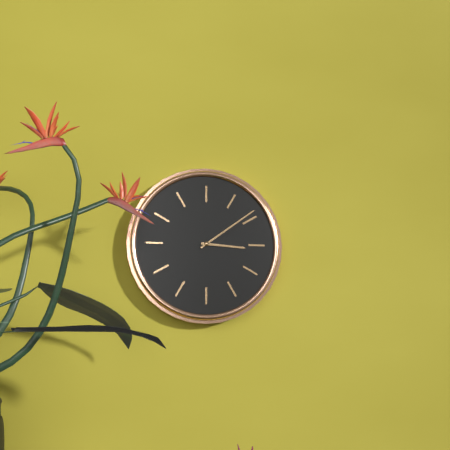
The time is 3,09
